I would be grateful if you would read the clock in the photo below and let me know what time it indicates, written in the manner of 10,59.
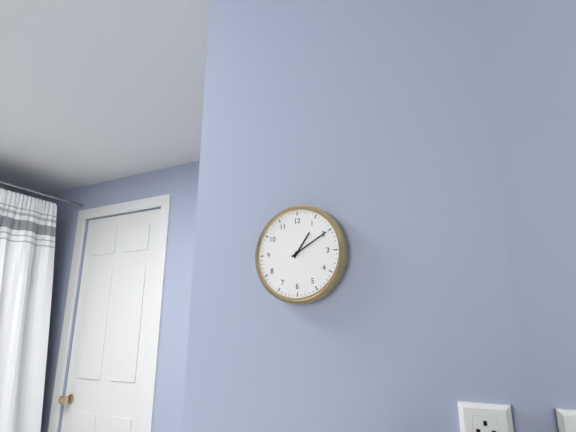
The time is 1,10
